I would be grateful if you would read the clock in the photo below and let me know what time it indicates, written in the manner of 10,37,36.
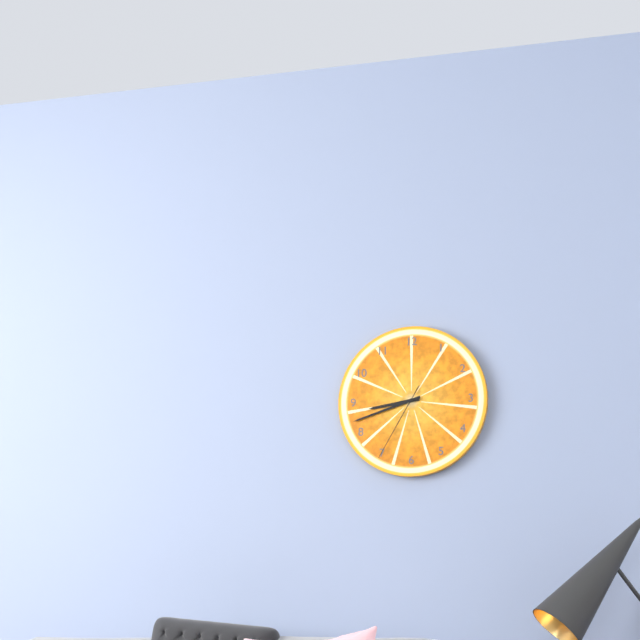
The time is 8,42,35
